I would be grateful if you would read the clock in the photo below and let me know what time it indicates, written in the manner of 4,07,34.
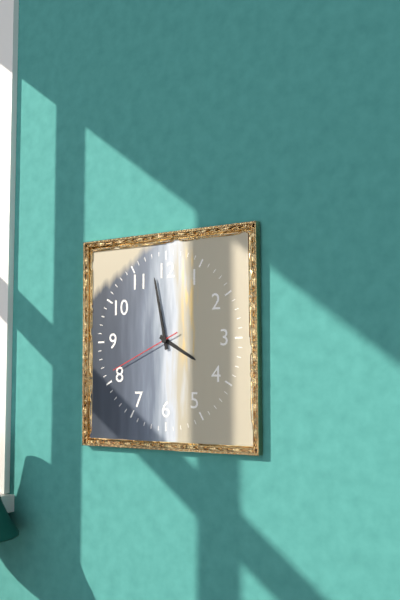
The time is 3,58,41
